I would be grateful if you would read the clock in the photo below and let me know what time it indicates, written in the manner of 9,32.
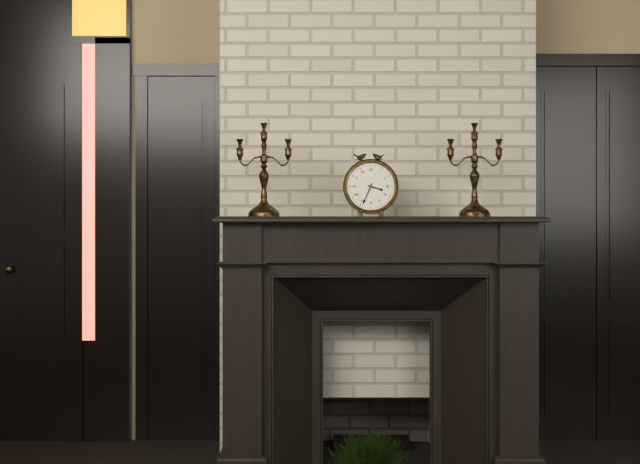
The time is 3,34
